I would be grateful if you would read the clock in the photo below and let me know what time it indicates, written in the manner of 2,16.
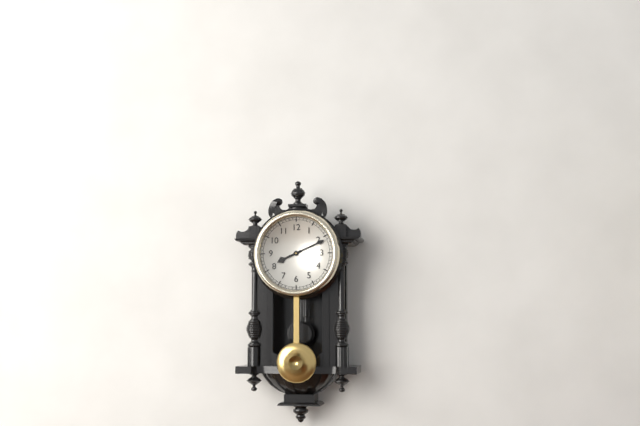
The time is 8,11
